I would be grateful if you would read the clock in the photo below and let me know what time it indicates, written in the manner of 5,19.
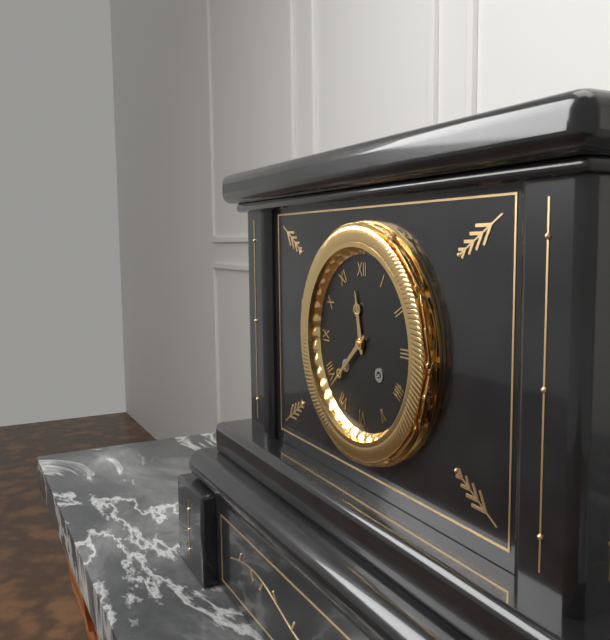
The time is 11,38
